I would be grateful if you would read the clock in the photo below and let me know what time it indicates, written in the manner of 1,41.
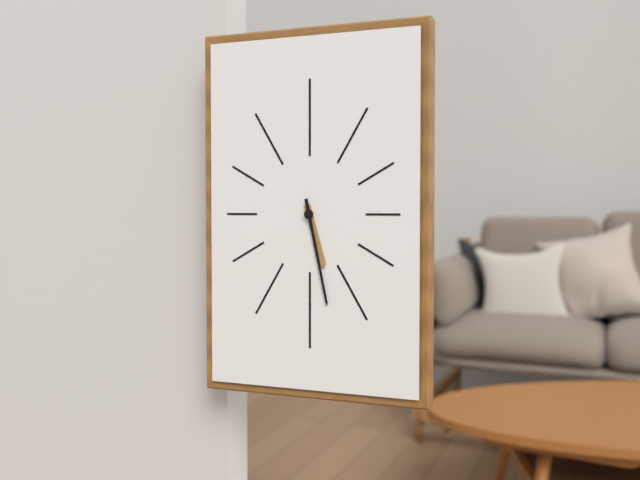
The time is 5,28
